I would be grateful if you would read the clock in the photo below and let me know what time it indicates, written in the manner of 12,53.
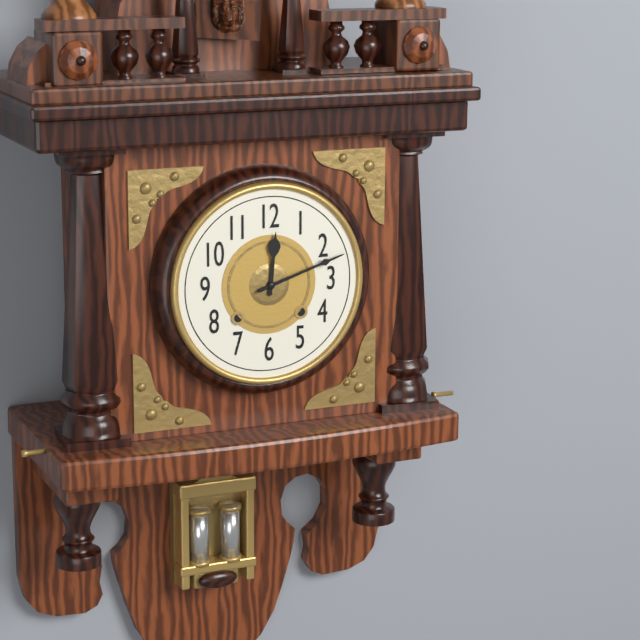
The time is 12,12
